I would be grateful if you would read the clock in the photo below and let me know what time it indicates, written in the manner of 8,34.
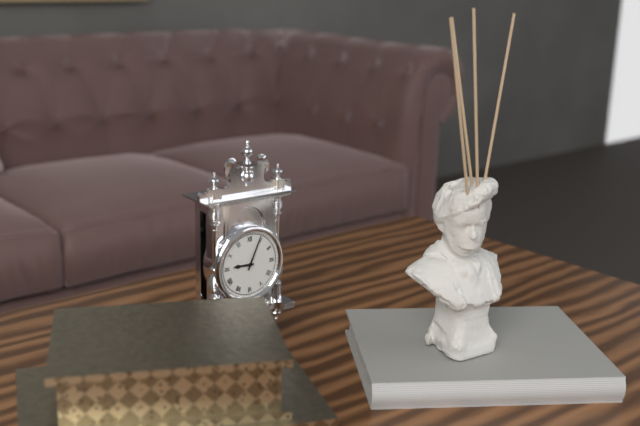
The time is 9,04
